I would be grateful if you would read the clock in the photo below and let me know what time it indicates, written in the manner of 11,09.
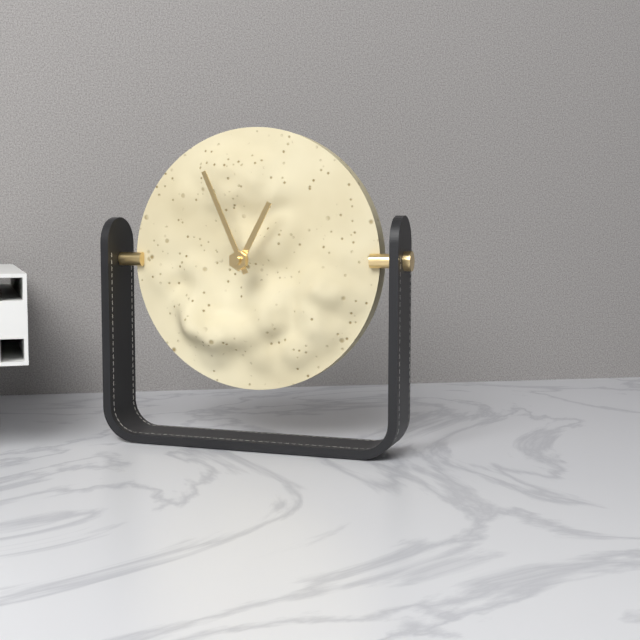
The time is 12,56
